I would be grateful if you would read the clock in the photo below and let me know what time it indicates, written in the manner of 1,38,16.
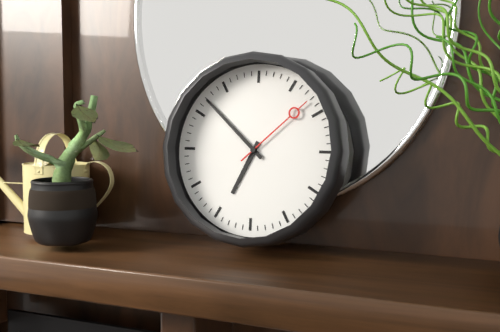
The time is 6,52,08
